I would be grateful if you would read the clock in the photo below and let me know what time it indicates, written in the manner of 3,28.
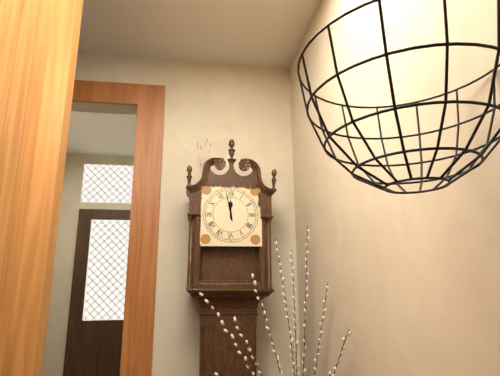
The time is 11,58
